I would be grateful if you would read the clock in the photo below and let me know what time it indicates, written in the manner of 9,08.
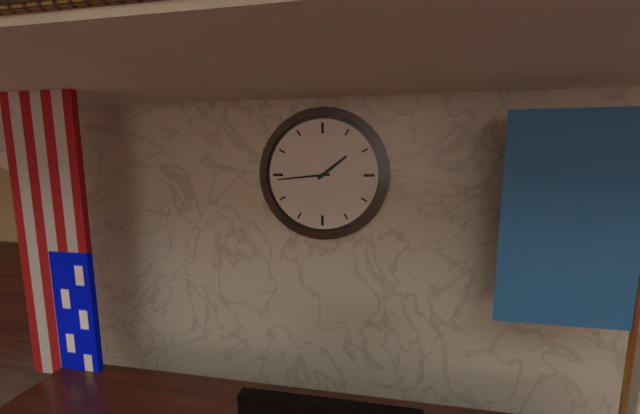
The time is 1,44
